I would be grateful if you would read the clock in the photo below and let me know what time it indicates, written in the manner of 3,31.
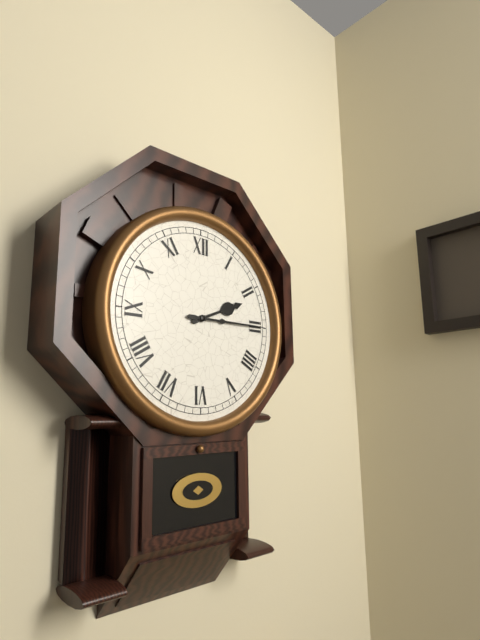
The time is 2,15
